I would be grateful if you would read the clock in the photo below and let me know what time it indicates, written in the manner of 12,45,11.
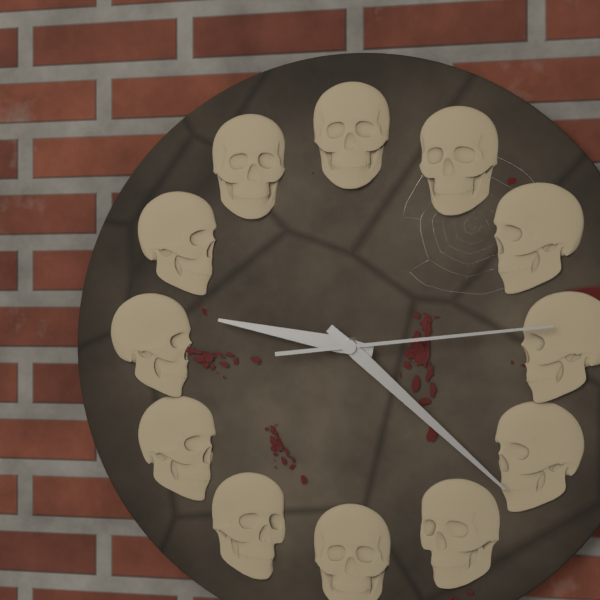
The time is 9,22,14
